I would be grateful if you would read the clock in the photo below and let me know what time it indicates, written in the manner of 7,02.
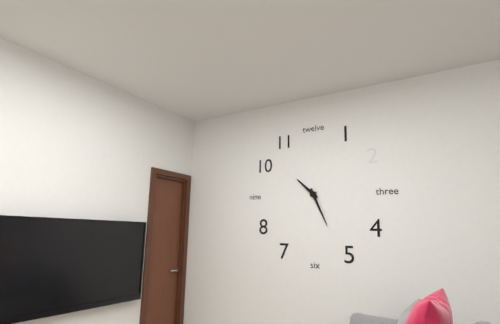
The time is 10,26
